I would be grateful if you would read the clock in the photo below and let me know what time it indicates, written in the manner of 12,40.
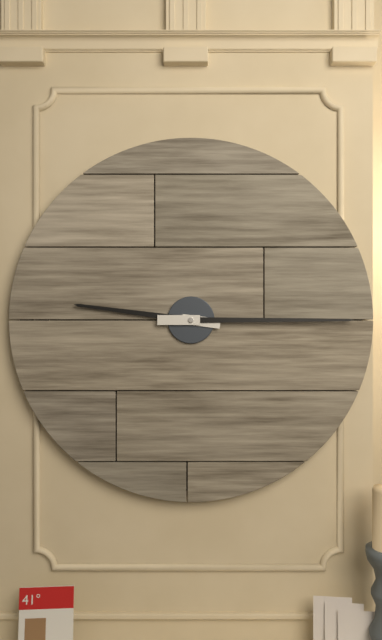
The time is 9,15
